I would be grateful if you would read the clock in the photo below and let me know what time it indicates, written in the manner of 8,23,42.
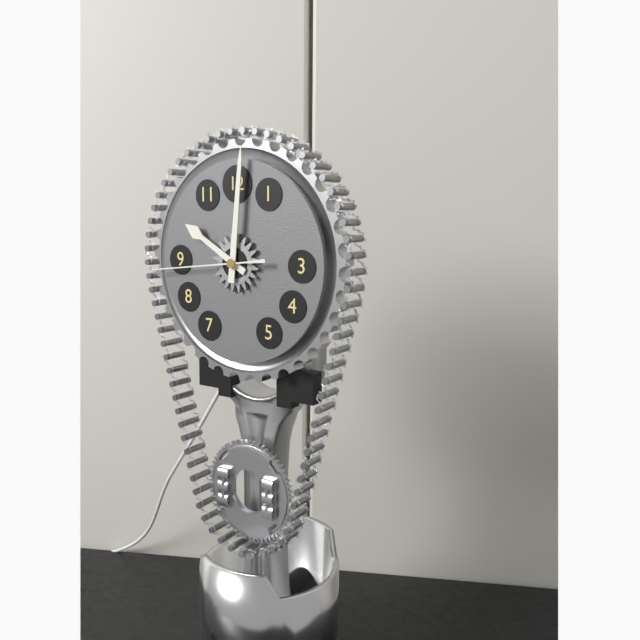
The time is 10,01,44
